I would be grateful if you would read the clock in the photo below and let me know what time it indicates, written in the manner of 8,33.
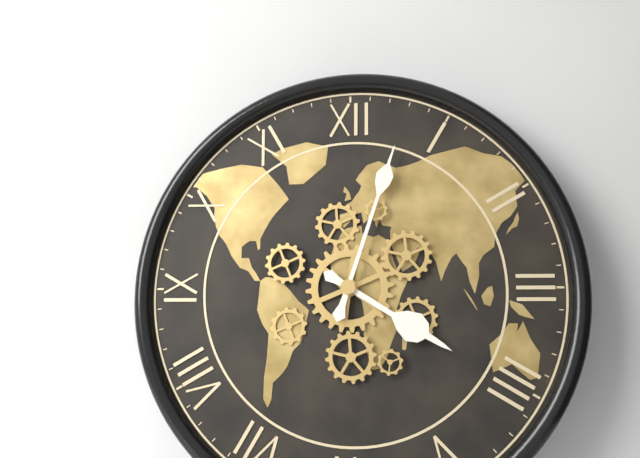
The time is 4,03
